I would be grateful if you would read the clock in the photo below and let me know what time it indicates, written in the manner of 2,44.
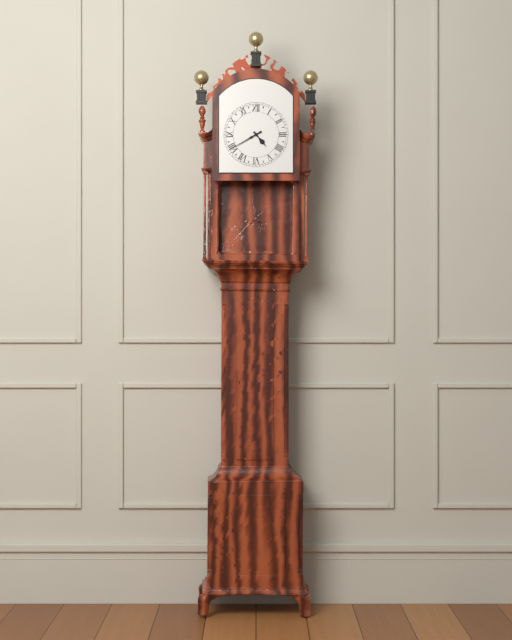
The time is 4,40
